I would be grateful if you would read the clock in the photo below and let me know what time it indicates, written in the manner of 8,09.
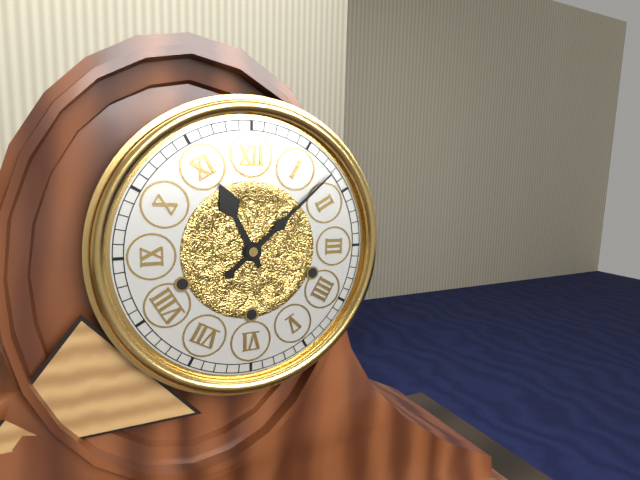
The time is 11,08
